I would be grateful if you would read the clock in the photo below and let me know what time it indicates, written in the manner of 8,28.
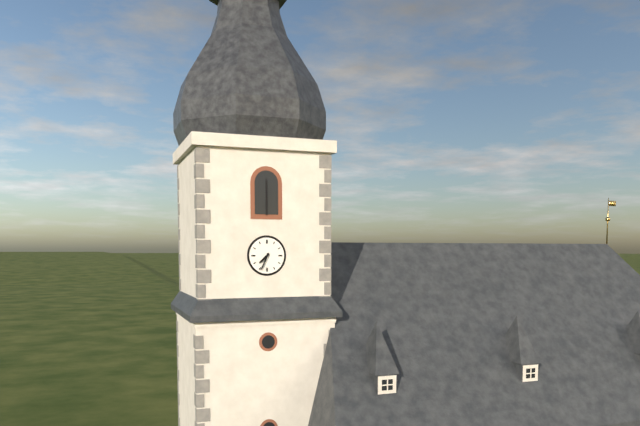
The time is 7,34
